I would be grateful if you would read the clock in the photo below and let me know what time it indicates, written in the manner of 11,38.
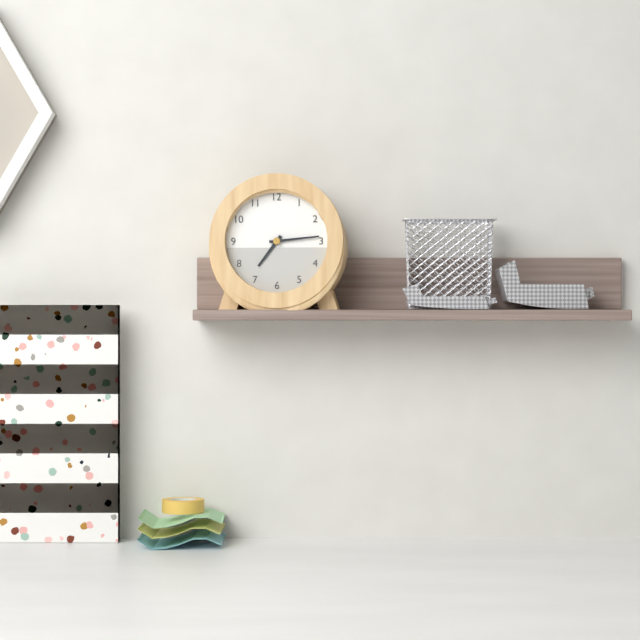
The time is 7,14
